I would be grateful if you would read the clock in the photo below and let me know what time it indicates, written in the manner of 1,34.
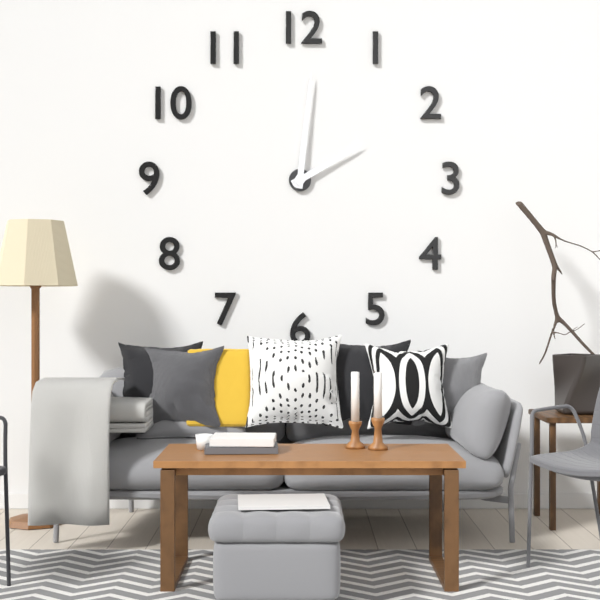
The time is 2,01
